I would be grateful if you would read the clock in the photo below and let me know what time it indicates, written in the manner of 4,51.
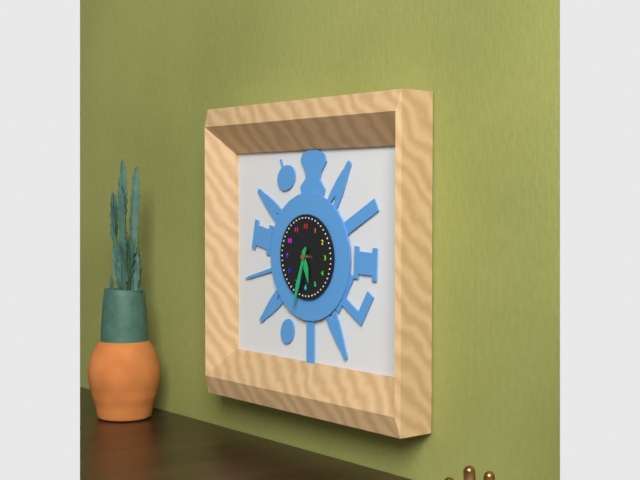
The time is 5,33
